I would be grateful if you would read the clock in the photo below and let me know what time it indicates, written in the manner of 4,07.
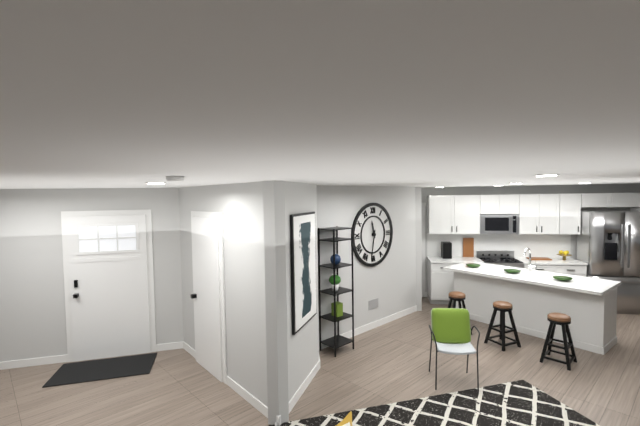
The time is 11,32
